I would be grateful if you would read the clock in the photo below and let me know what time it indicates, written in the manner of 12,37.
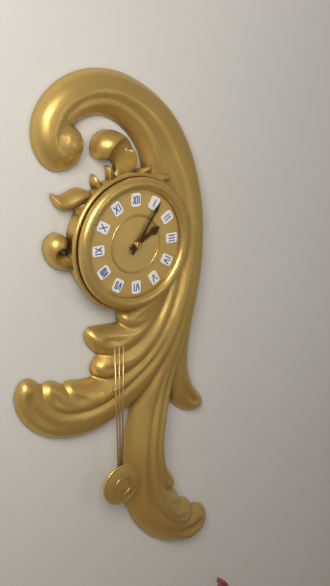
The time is 2,06
